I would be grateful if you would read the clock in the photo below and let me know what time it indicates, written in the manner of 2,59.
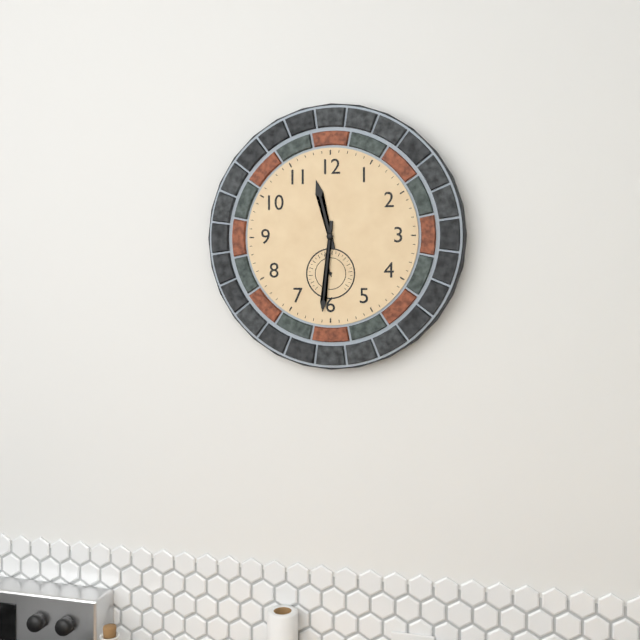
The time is 11,31
